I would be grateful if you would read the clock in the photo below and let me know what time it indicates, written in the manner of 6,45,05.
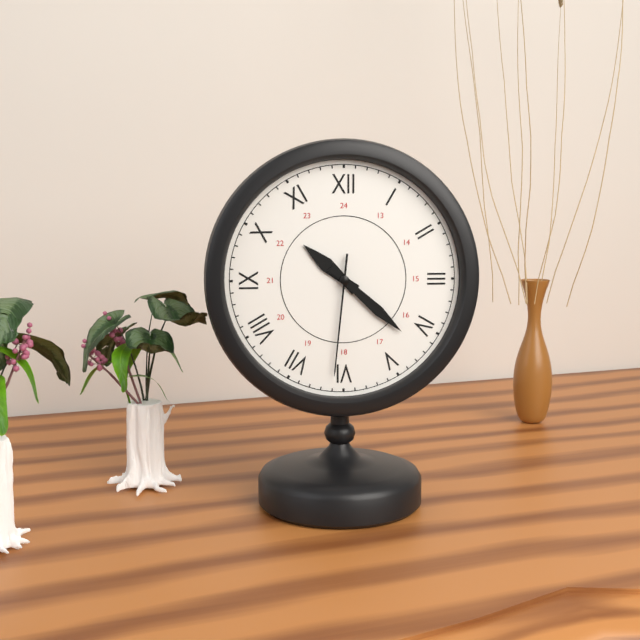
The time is 10,22,31
